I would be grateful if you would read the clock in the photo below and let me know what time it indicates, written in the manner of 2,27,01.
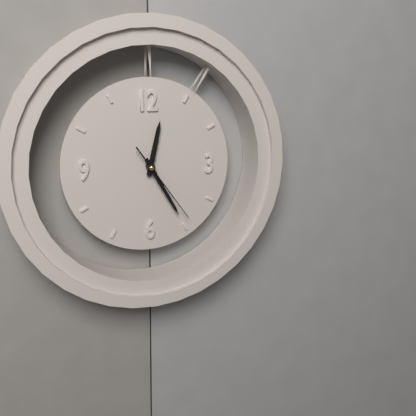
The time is 12,25,24
